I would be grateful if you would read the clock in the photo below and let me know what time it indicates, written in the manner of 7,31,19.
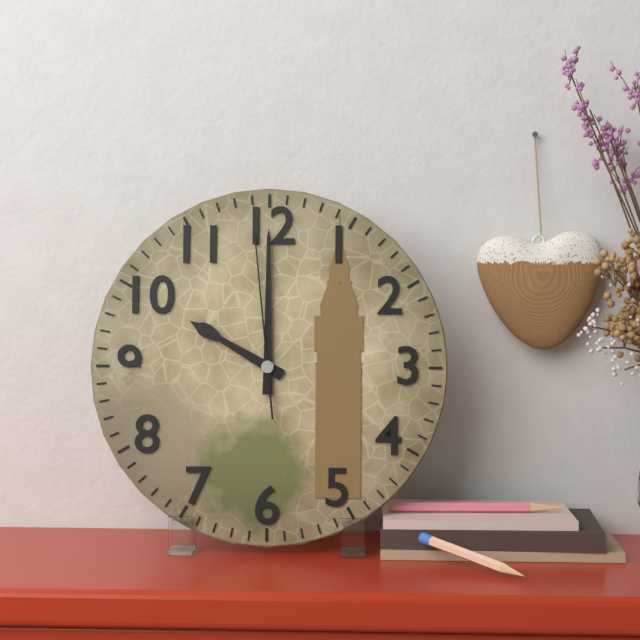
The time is 10,00,59
